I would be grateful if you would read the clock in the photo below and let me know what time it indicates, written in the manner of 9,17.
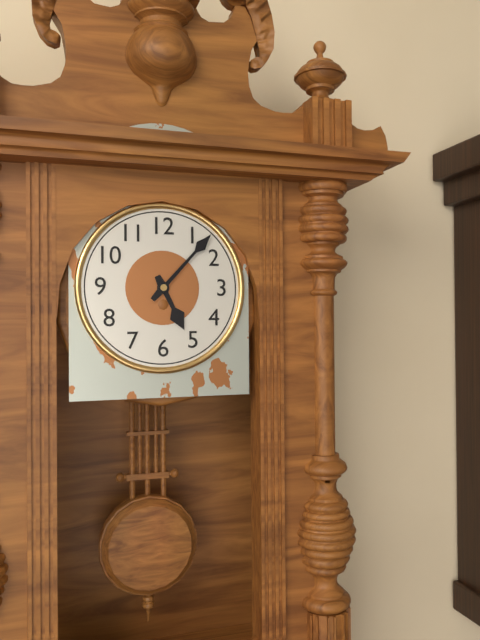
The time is 5,07
